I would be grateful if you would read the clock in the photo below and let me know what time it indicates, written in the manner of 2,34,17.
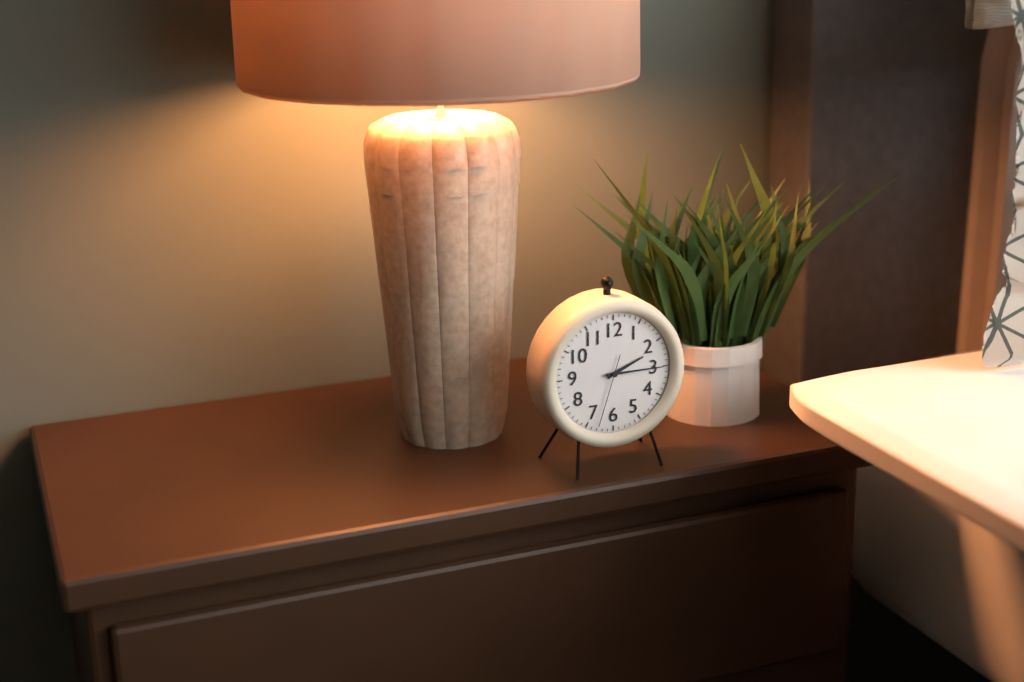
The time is 2,15,33
